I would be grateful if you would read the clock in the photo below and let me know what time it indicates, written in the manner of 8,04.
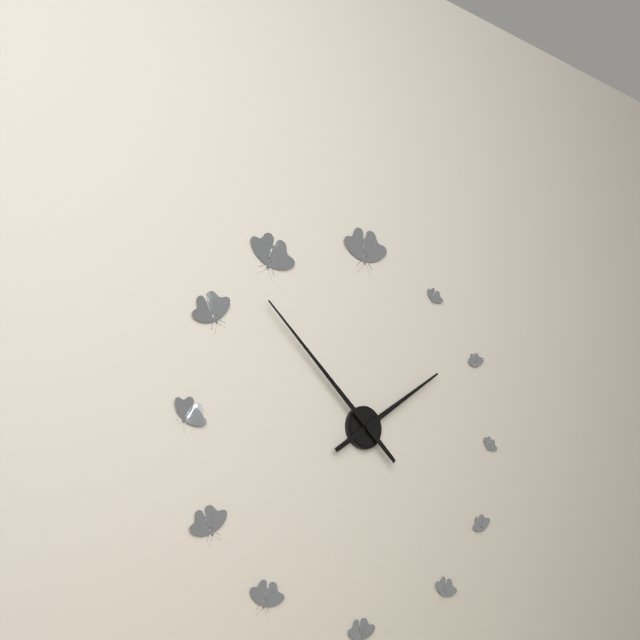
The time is 1,52
